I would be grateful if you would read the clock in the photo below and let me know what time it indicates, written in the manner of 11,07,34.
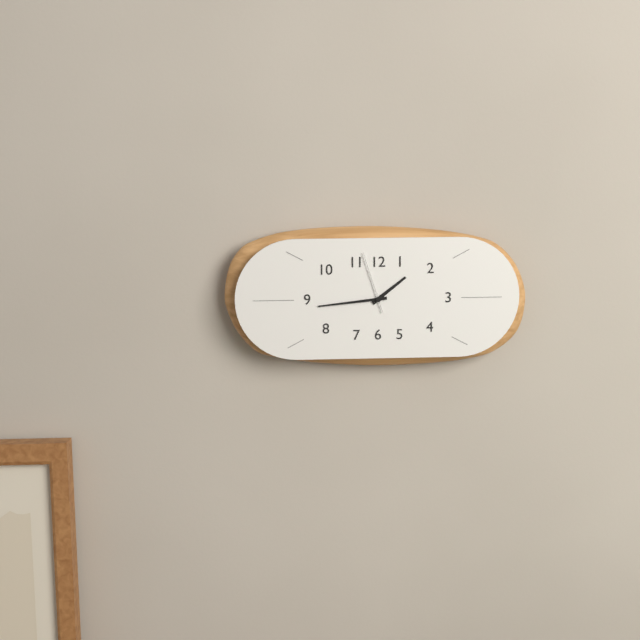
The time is 1,44,57
